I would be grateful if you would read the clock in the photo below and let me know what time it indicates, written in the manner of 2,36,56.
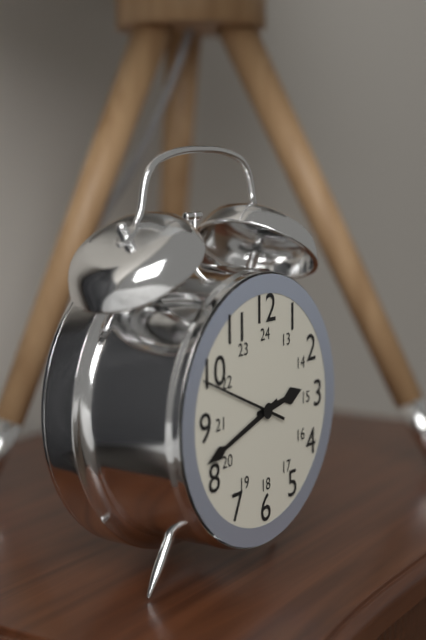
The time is 2,42,49
